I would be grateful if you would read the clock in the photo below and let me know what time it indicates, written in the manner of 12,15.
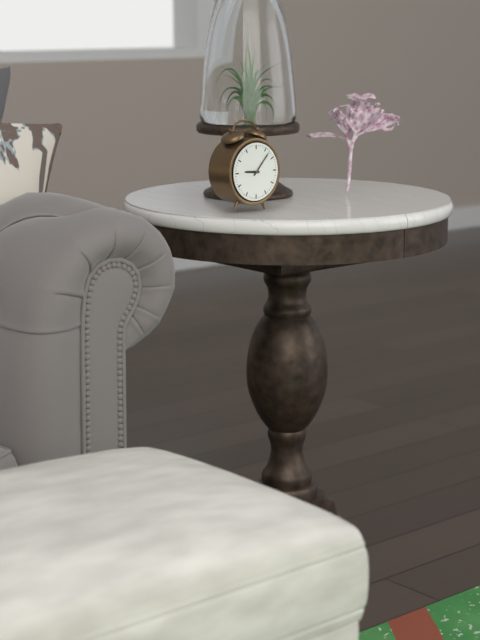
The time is 9,07
